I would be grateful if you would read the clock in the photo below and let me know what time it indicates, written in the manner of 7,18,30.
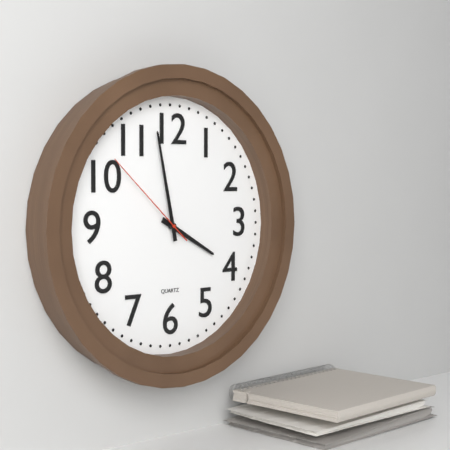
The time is 3,58,52
